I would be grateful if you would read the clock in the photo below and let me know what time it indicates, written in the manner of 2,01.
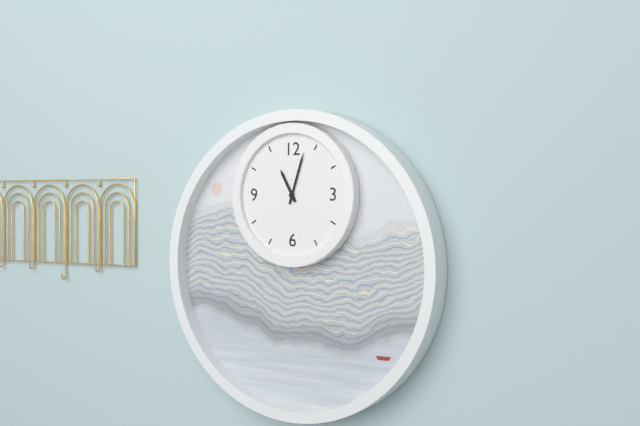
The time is 11,03
